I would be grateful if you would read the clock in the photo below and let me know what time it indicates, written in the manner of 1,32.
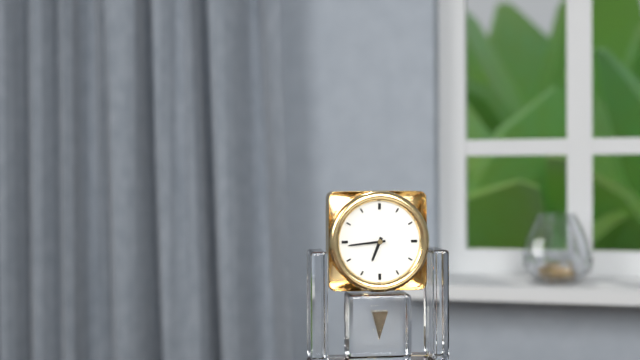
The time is 6,44
